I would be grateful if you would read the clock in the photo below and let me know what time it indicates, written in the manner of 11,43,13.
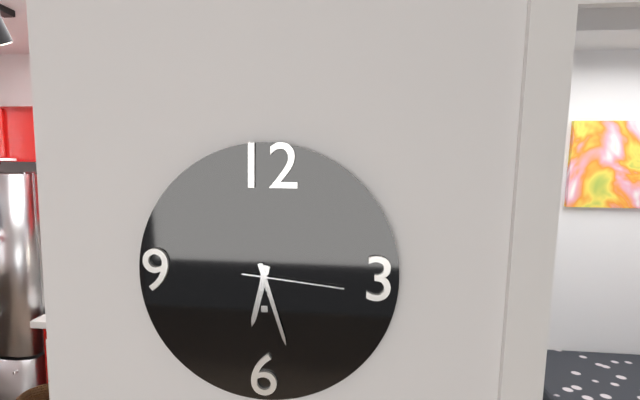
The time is 6,27,16
